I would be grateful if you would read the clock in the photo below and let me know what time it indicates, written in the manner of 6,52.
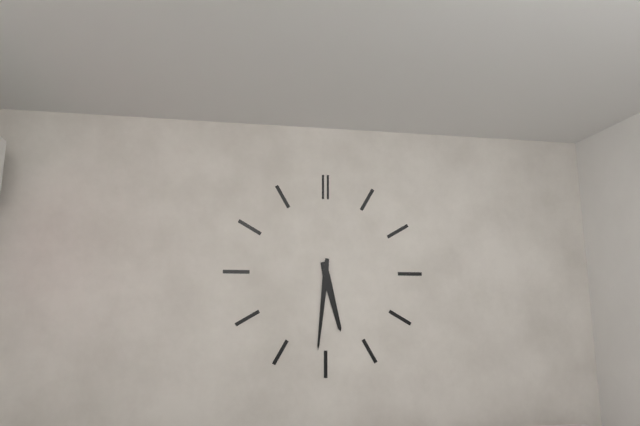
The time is 5,31
